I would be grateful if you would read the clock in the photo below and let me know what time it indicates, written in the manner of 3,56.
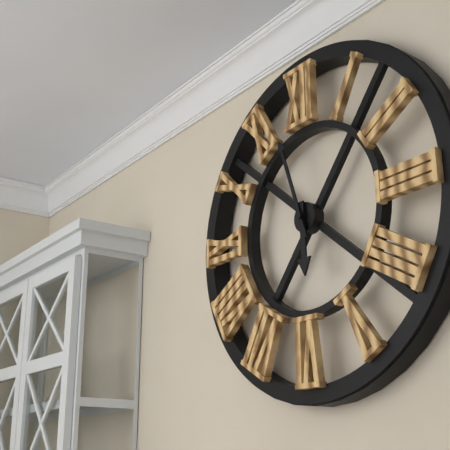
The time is 5,57
